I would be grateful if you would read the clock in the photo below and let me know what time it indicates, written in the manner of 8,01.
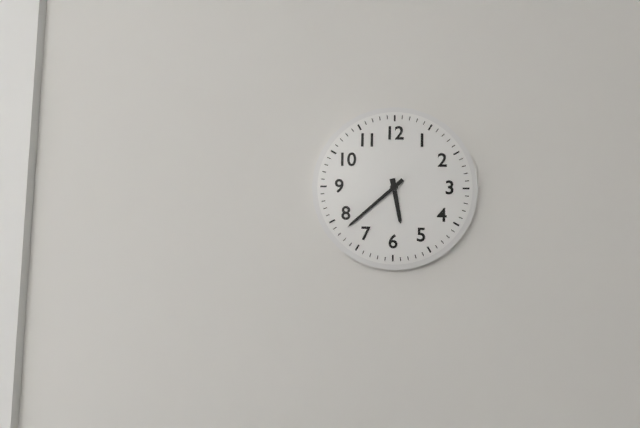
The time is 5,38
